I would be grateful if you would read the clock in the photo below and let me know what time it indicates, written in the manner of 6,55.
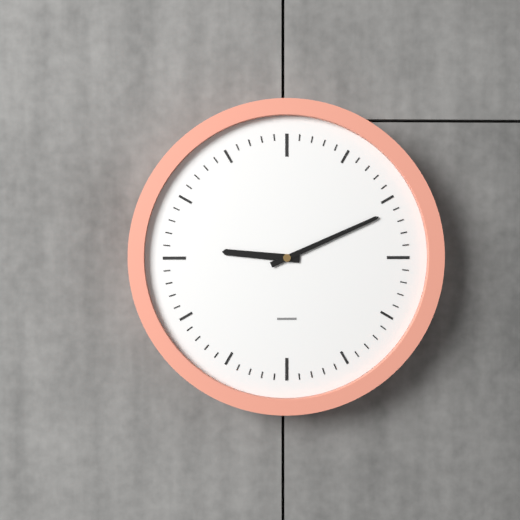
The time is 9,11
